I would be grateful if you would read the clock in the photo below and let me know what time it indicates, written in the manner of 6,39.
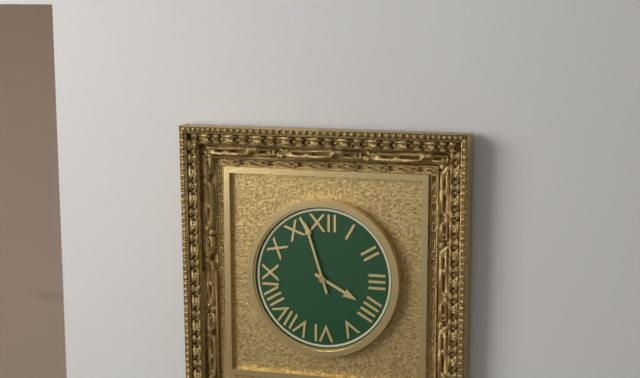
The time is 3,57
